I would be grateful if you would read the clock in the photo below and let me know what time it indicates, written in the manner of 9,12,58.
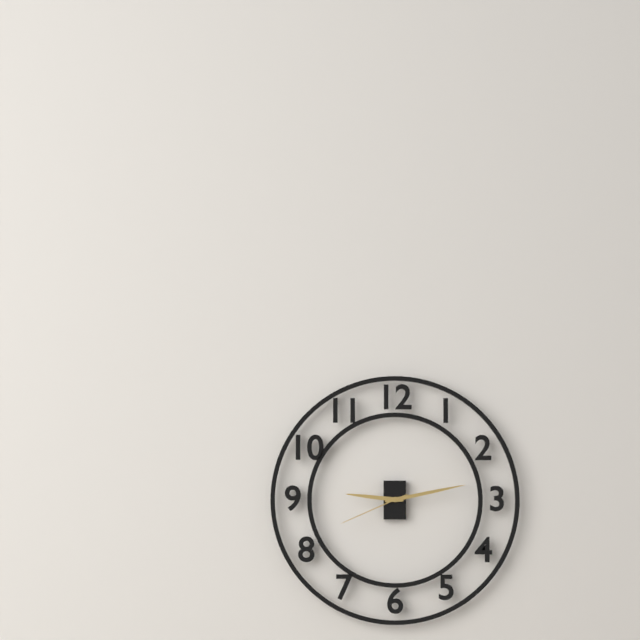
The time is 9,13,41
